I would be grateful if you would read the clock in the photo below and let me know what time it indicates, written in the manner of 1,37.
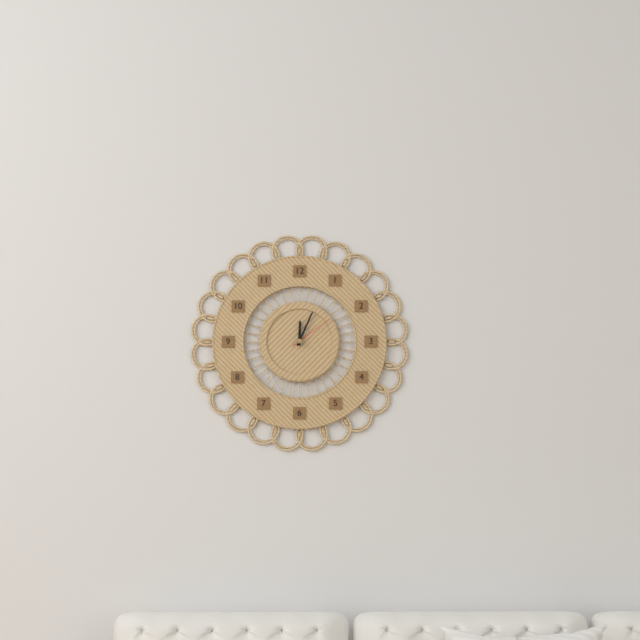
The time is 12,04
